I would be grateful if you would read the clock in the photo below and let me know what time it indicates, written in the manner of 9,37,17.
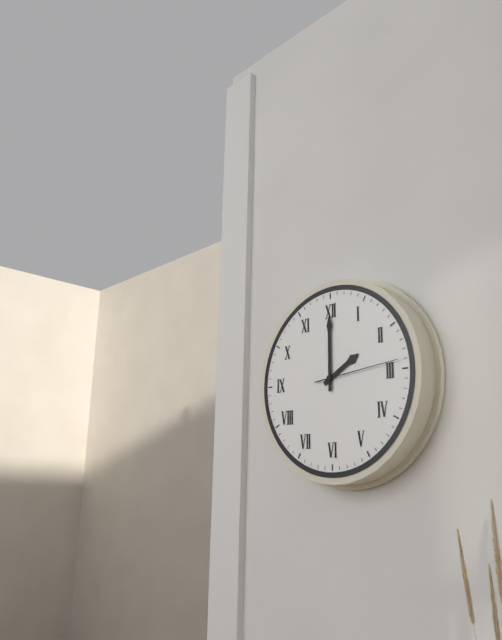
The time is 2,00,14
